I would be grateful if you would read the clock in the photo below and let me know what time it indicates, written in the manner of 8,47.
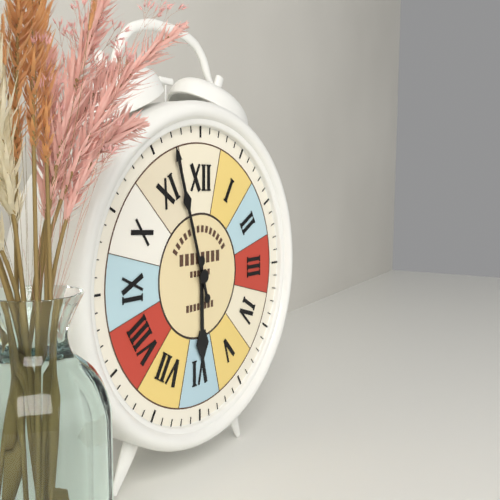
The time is 5,57
